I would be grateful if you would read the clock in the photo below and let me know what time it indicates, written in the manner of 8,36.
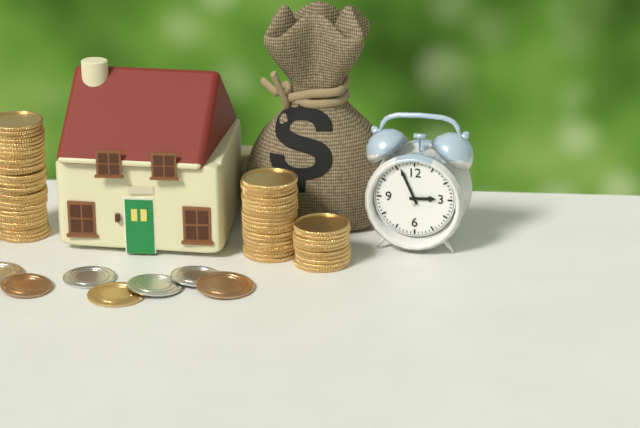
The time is 2,56
